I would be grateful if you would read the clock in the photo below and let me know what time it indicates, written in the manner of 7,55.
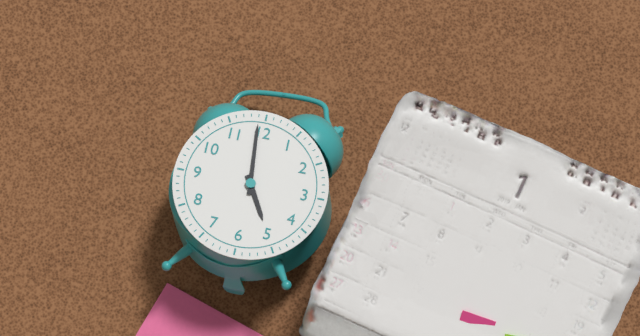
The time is 4,59
